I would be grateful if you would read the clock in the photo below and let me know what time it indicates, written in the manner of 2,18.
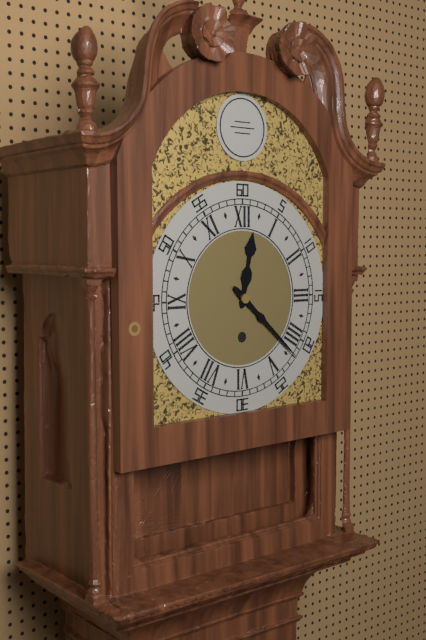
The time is 12,22
